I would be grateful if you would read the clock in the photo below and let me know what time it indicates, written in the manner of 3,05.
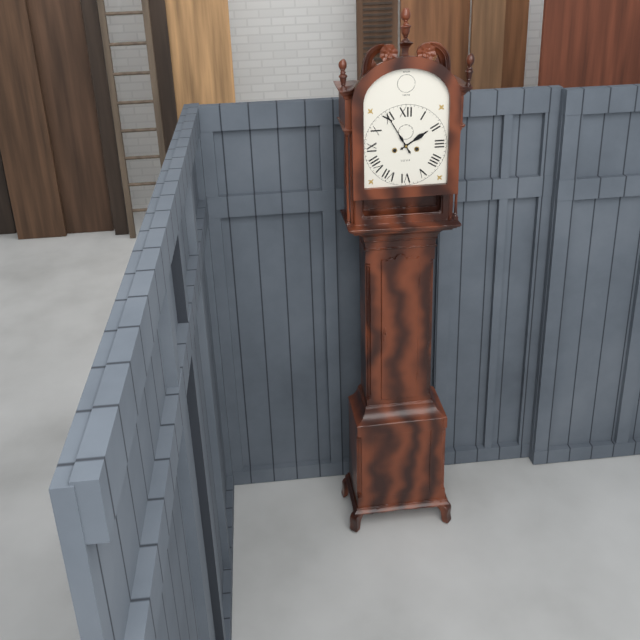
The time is 1,55
